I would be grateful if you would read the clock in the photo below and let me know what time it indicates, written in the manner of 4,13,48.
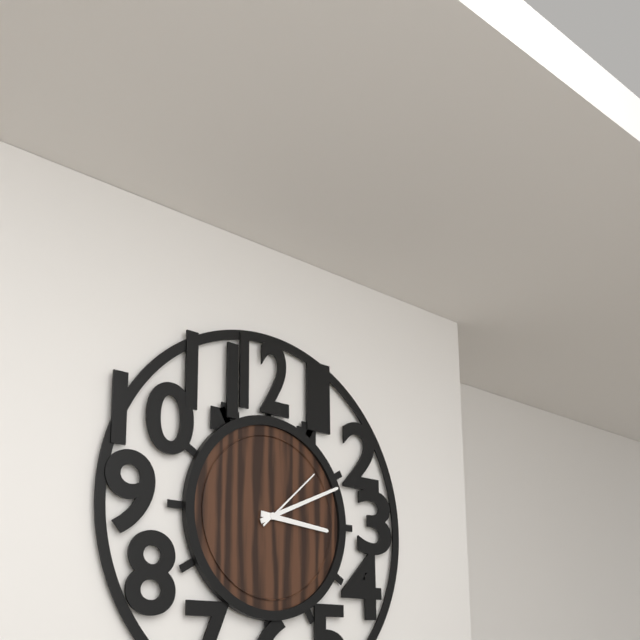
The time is 3,11,08
